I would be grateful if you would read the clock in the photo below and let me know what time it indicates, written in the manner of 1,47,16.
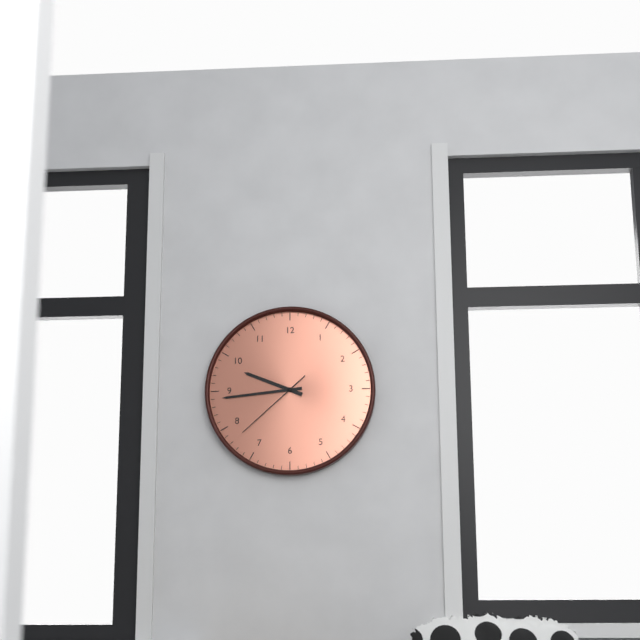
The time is 9,44,38
